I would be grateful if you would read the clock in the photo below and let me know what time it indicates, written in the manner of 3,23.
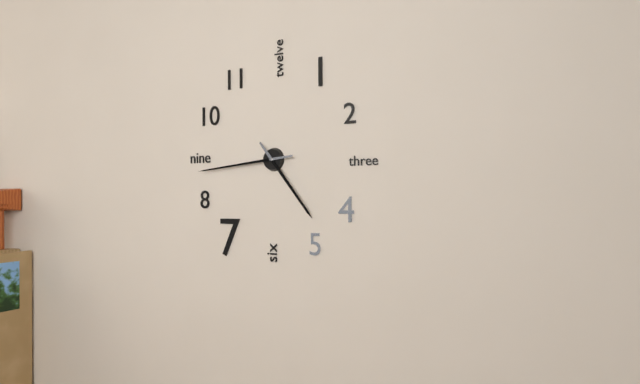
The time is 4,44
